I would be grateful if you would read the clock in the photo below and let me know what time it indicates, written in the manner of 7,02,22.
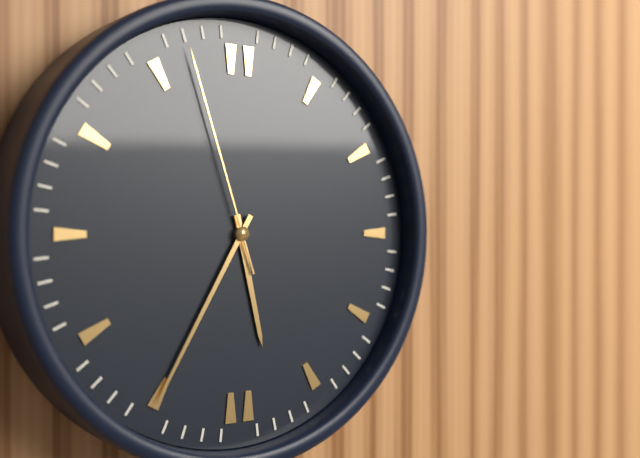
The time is 5,35,57
